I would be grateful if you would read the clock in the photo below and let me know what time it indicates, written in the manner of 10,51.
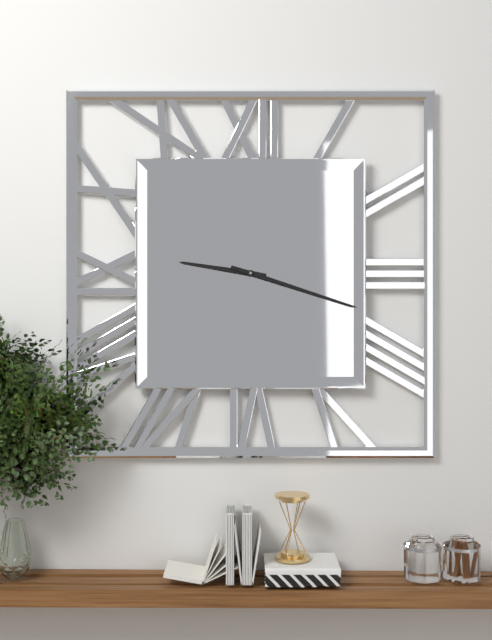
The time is 9,18
